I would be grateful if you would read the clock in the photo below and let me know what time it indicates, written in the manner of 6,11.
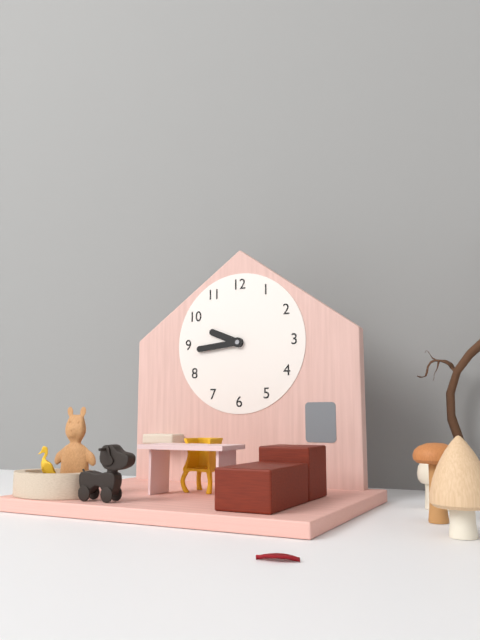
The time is 9,44
